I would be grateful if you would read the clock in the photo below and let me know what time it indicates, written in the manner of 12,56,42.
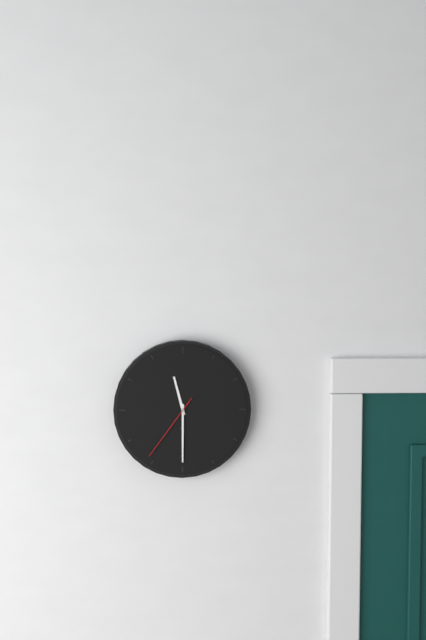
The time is 11,30,36
